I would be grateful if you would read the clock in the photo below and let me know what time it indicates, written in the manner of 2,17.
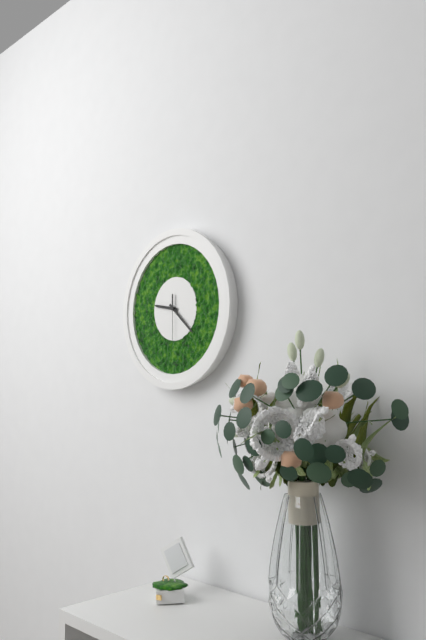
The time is 9,22
